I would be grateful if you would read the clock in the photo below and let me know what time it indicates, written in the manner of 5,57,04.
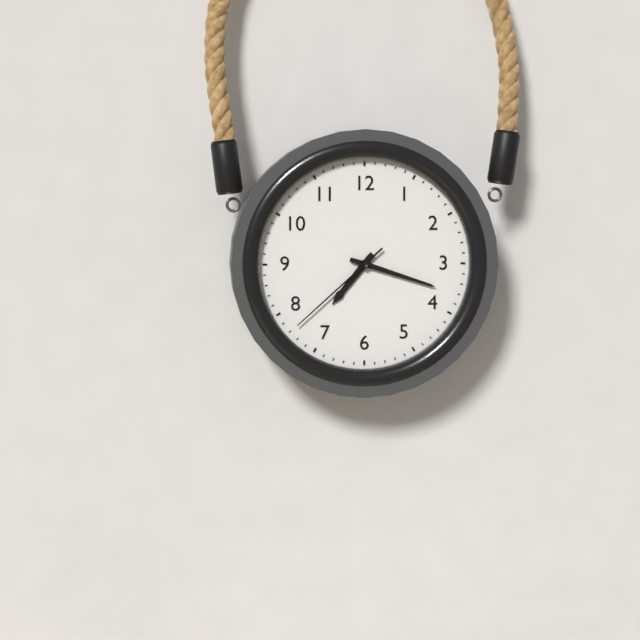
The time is 7,18,38
